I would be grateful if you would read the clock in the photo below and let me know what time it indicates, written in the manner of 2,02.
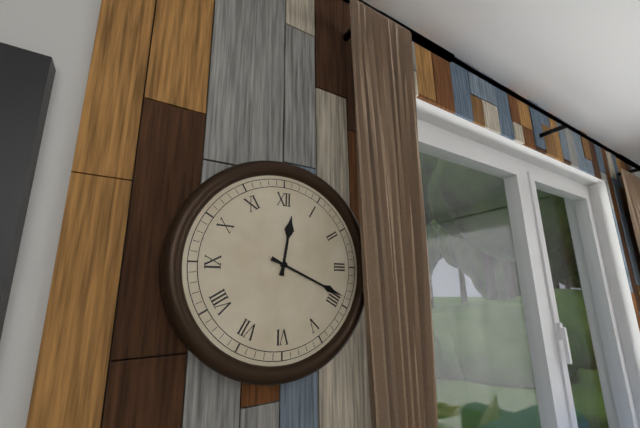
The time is 12,19
